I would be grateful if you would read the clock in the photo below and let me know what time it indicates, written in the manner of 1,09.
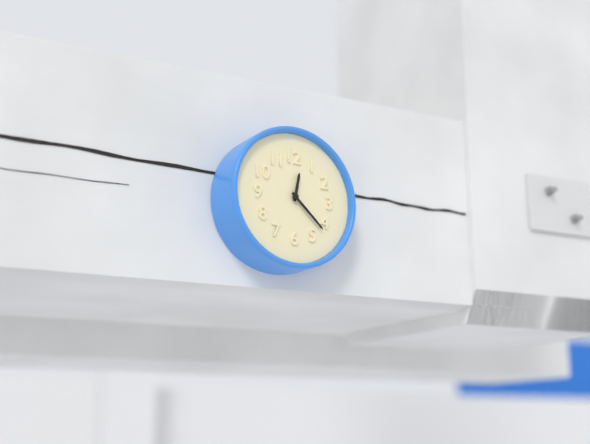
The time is 12,22
